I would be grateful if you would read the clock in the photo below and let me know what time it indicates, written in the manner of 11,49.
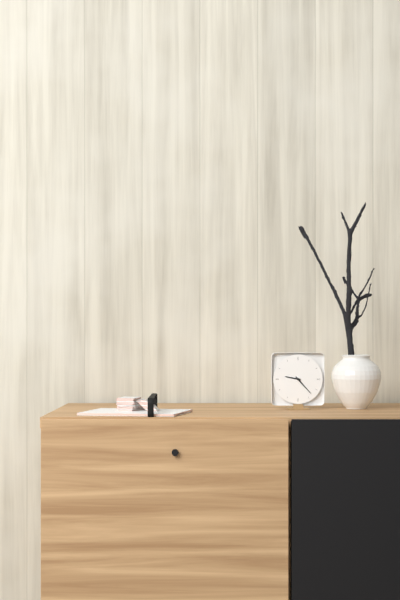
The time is 9,23
